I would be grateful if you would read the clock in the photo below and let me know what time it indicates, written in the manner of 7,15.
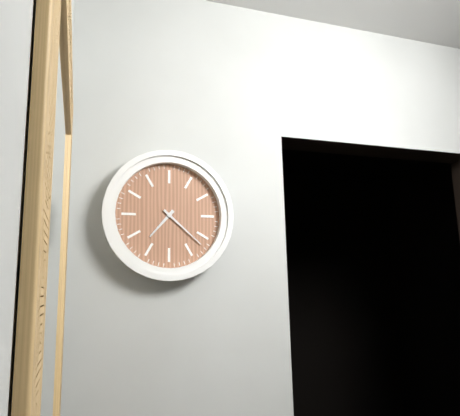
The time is 7,22
